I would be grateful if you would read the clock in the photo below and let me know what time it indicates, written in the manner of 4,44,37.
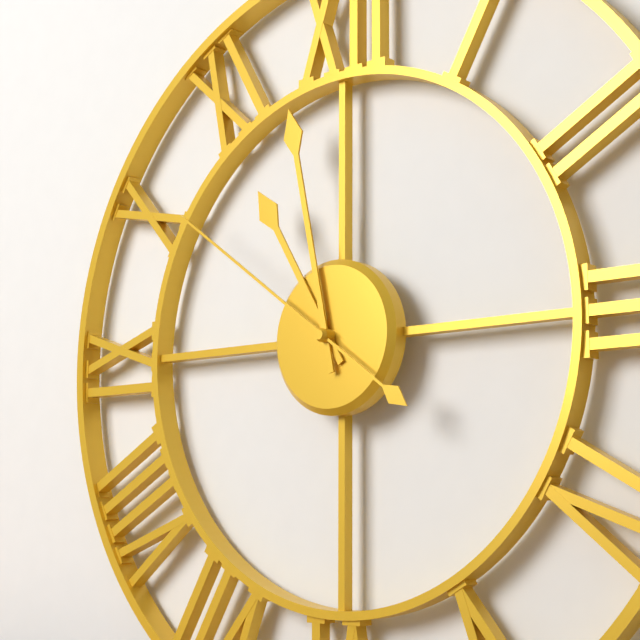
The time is 10,58,51
